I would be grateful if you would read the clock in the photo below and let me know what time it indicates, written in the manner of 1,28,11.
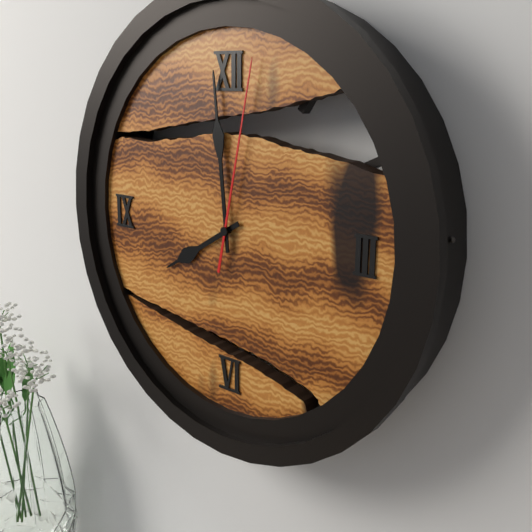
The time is 7,59,02
